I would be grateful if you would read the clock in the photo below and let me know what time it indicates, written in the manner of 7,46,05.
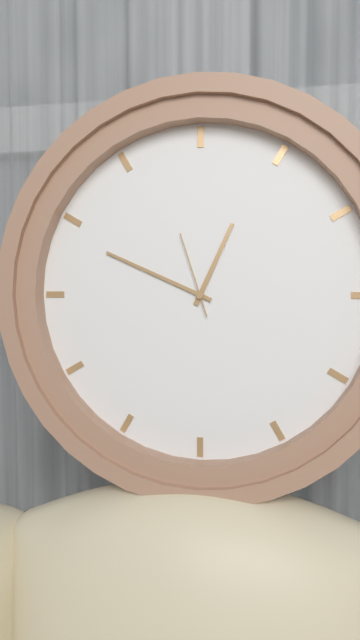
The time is 12,49,57
